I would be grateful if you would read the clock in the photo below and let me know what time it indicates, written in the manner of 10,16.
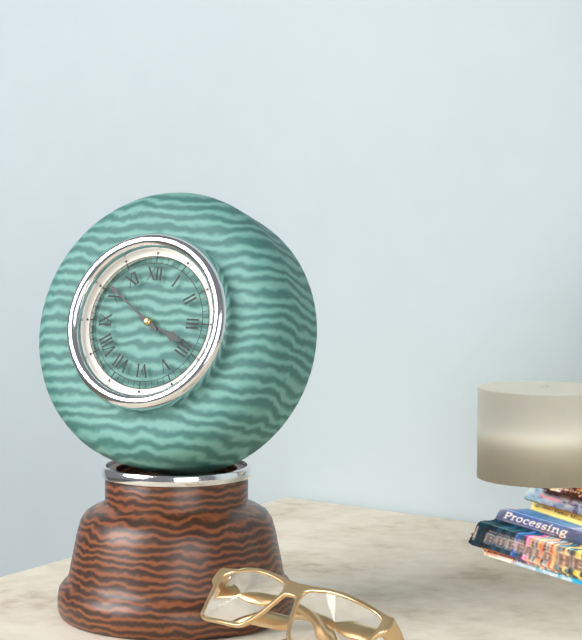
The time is 3,51
